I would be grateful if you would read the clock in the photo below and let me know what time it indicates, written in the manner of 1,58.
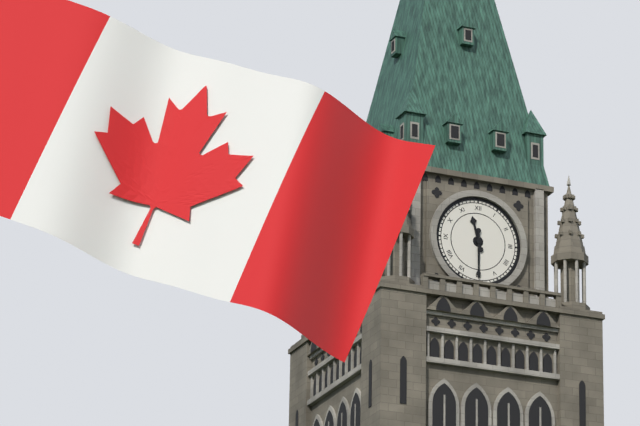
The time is 11,30
